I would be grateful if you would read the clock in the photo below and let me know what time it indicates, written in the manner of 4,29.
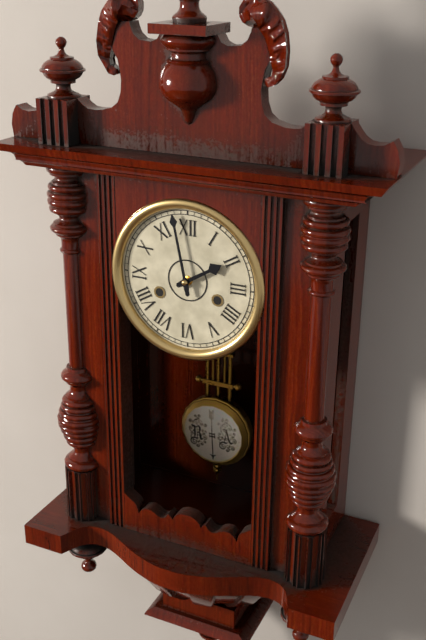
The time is 1,58
